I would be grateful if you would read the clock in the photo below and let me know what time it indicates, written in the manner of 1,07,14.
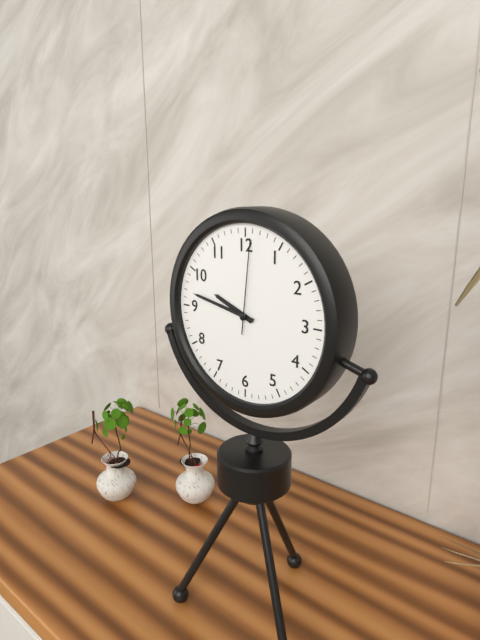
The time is 9,47,01
